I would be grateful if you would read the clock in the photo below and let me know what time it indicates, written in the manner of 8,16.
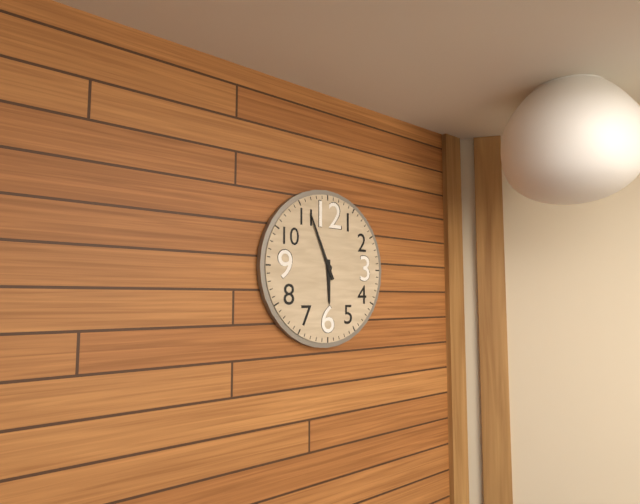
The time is 5,56
